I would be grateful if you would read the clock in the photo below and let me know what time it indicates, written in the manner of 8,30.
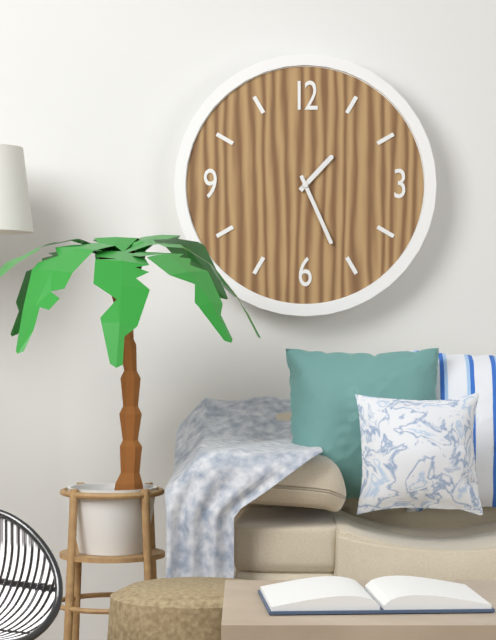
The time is 1,26
